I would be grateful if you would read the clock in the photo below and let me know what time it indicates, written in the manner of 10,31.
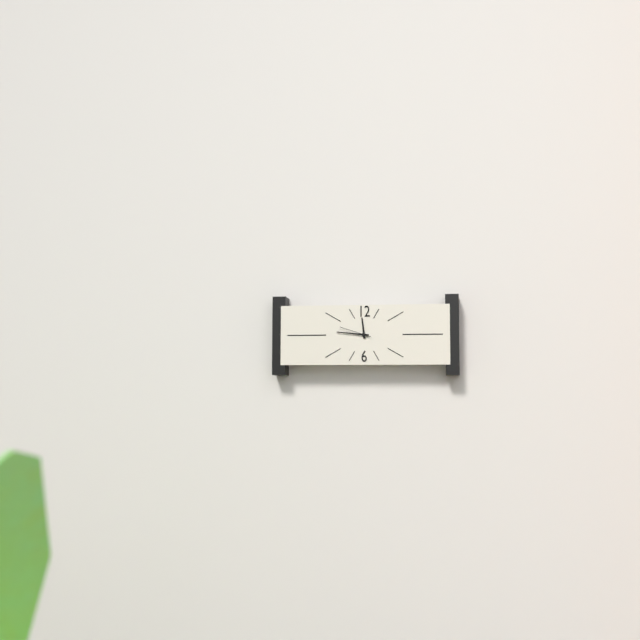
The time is 11,46
